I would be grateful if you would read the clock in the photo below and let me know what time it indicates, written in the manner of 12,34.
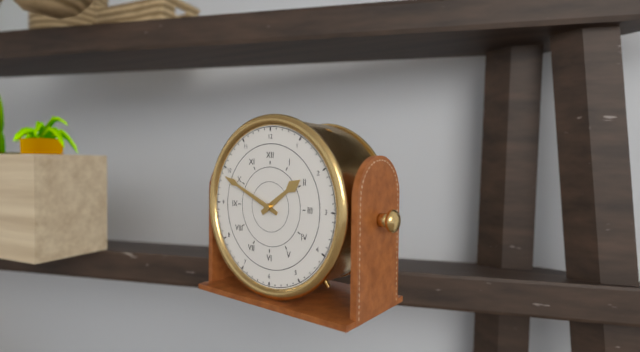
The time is 1,49
